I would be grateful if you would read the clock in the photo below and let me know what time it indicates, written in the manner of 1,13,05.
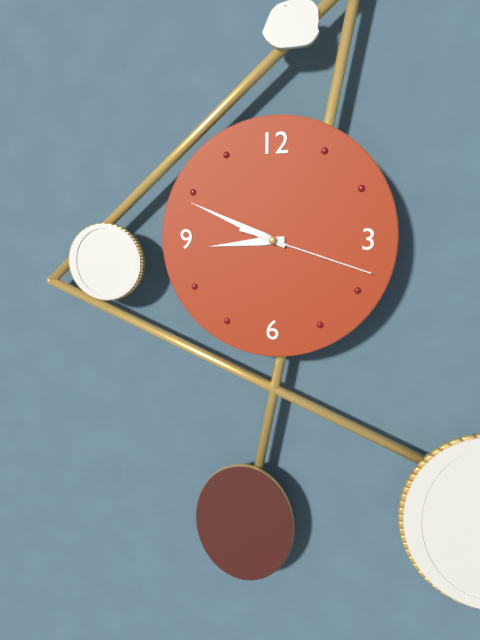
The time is 8,49,18
